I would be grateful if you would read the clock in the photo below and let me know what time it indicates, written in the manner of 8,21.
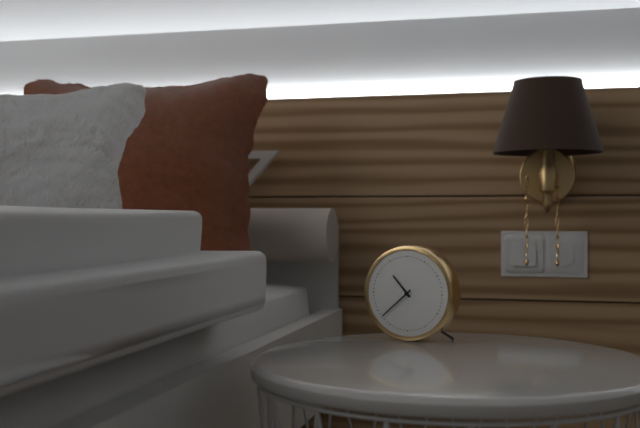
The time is 10,38
